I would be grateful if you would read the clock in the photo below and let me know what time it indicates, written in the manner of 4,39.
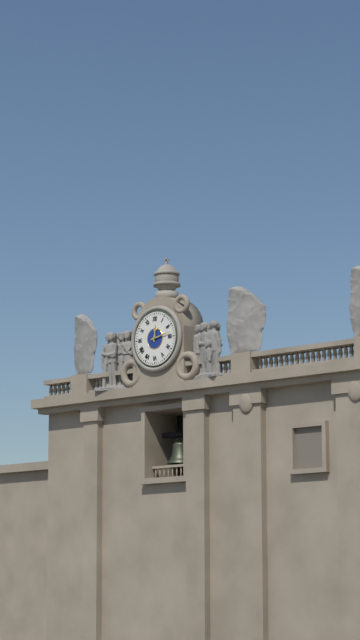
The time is 12,13
